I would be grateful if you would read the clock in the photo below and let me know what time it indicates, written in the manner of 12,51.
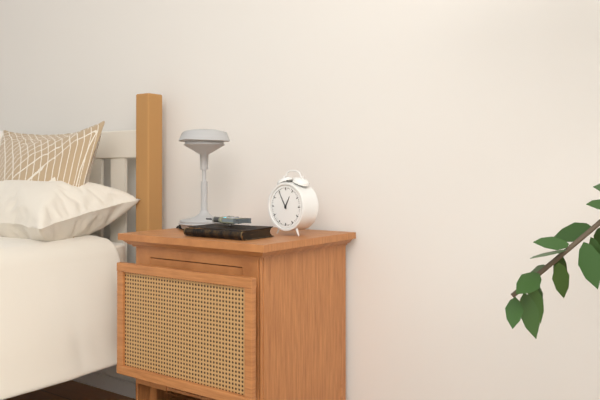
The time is 12,55
